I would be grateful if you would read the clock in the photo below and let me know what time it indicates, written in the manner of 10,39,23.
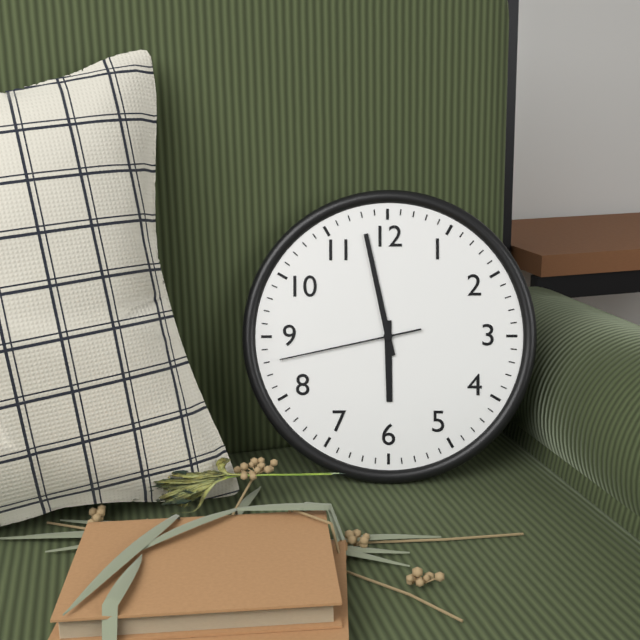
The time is 5,58,43
